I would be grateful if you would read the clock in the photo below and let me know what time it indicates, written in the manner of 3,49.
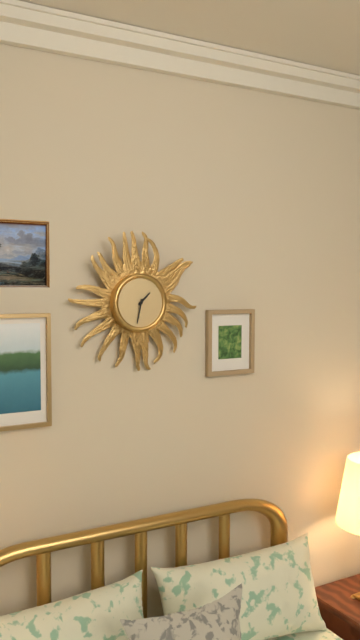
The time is 1,32
